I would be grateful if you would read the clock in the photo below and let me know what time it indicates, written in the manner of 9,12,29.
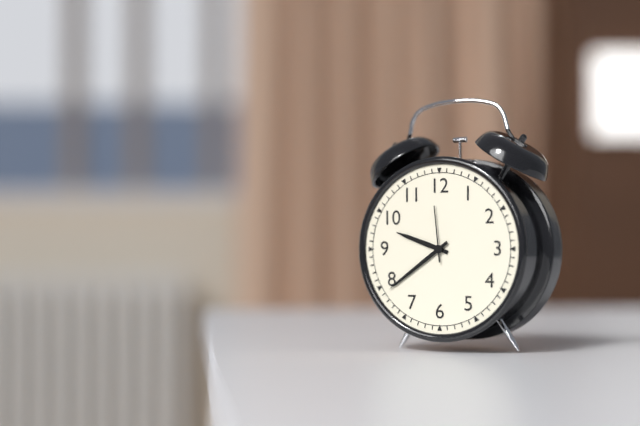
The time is 9,39,59
